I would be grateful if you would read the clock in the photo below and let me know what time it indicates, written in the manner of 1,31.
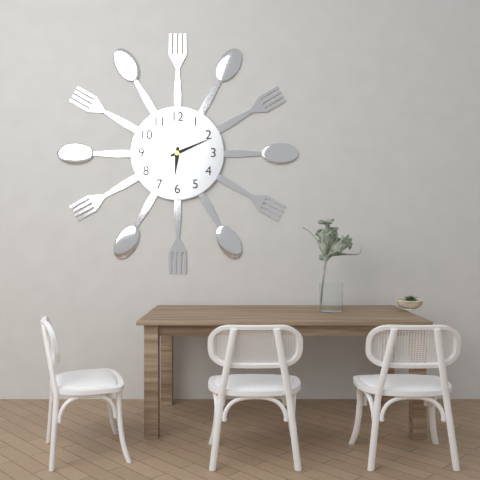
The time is 6,11
